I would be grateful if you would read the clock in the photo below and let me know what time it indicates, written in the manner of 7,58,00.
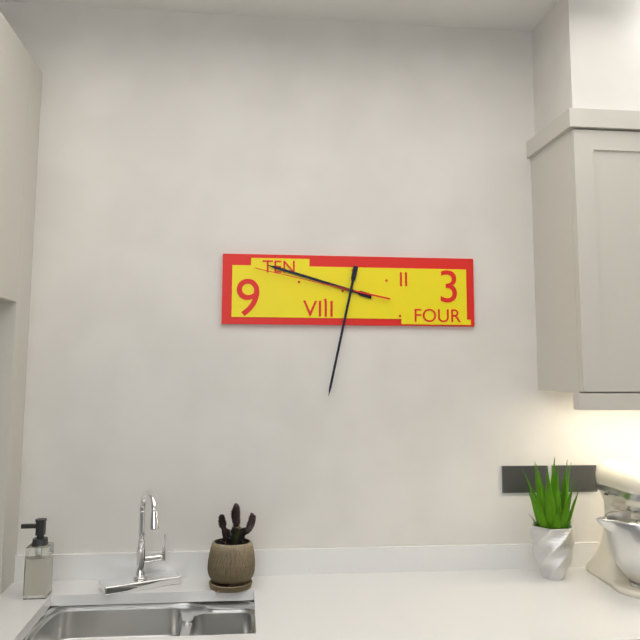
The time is 9,32,47
